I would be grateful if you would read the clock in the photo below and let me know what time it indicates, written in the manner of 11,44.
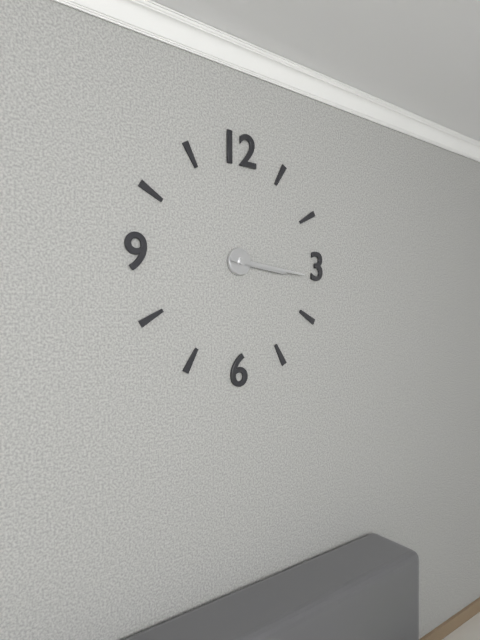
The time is 3,16
